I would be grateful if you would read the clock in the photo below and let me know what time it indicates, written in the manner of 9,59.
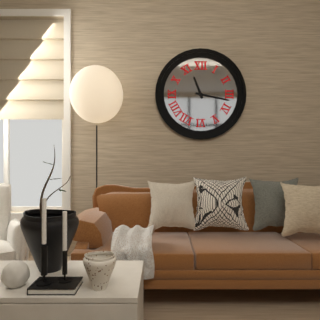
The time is 11,17
